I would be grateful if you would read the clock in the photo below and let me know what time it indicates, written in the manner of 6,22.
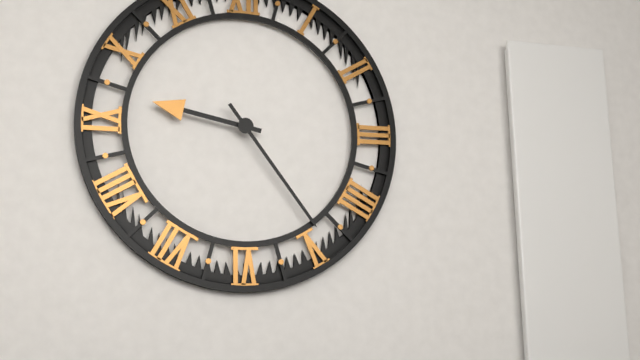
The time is 9,24
